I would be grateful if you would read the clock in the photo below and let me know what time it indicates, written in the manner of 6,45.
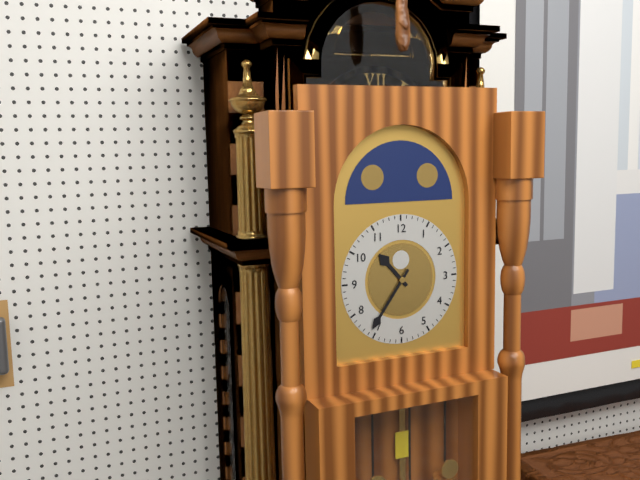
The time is 10,36
